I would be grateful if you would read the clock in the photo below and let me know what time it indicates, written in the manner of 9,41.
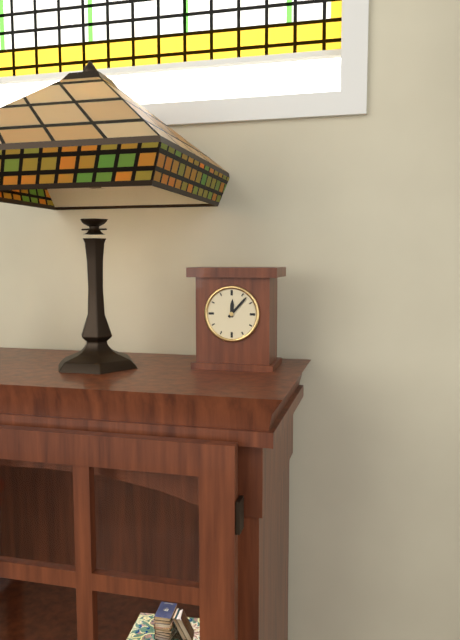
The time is 12,07
